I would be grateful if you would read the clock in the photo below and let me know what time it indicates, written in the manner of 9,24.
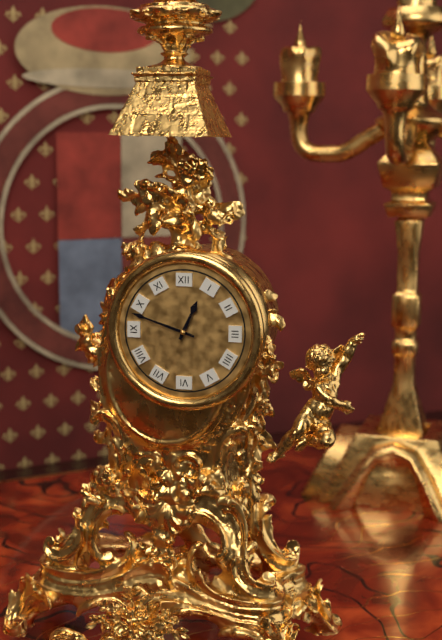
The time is 12,48
